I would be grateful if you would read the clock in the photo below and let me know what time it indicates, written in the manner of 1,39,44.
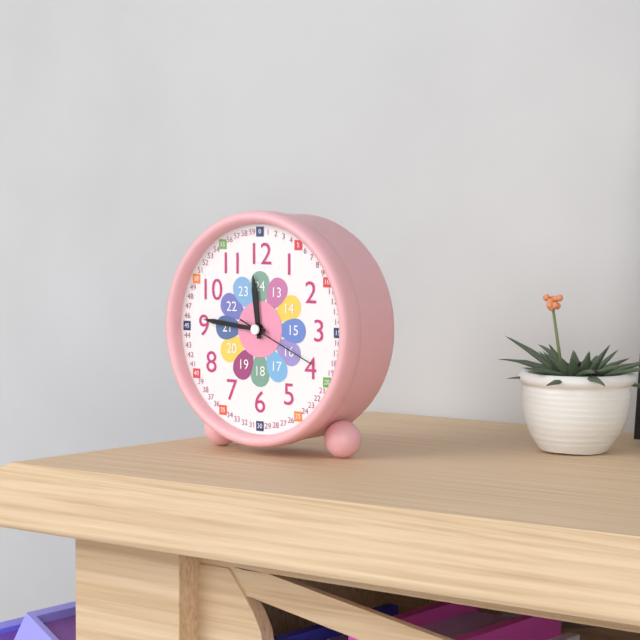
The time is 11,46,19
